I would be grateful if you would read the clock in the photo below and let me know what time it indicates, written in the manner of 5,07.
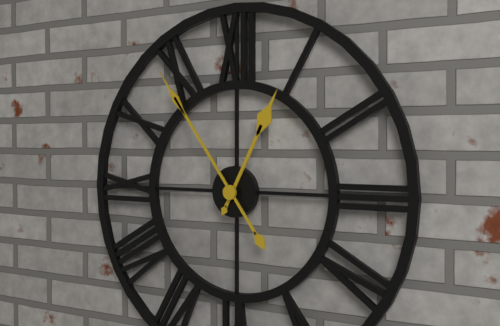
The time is 12,54
